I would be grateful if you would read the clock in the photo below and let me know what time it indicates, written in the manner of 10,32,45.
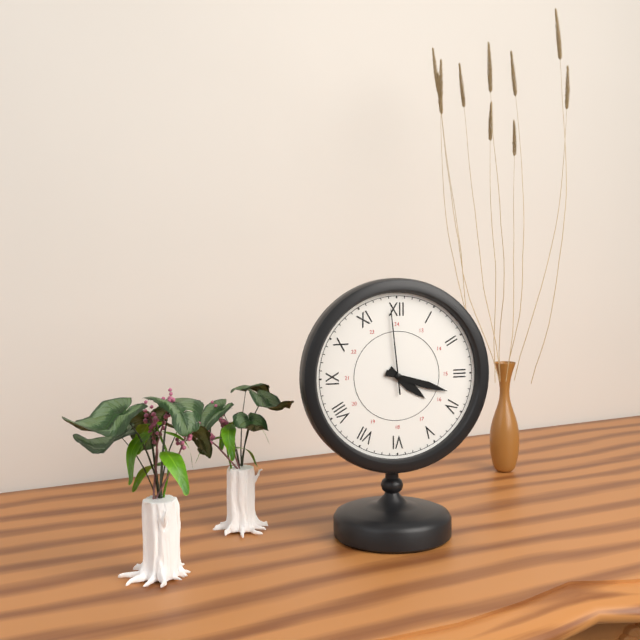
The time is 4,18,59
